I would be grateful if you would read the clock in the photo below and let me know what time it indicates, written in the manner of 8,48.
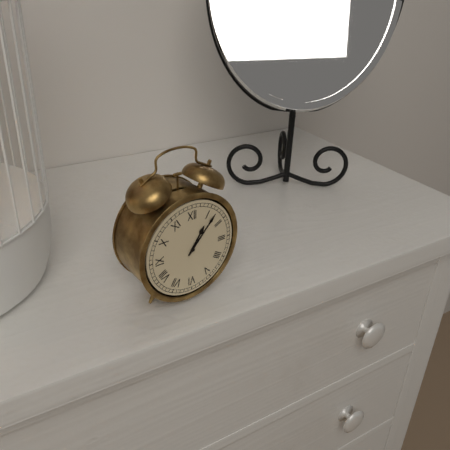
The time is 1,07
